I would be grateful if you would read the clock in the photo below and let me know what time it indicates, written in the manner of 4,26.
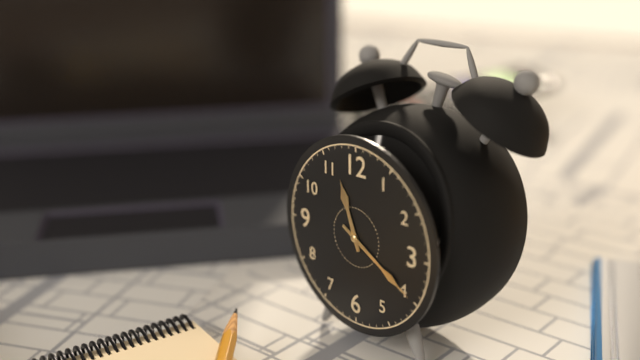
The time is 11,20
